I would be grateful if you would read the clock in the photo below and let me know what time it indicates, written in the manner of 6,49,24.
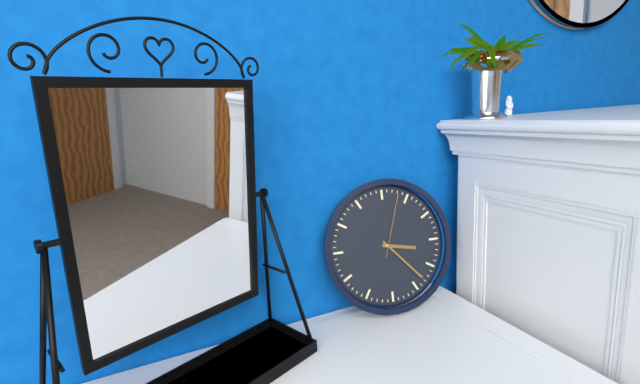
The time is 3,23,03
